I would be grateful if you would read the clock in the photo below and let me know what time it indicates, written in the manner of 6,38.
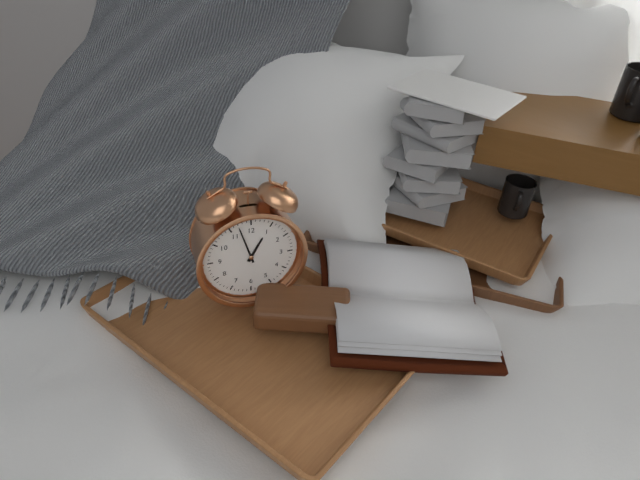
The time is 12,57
